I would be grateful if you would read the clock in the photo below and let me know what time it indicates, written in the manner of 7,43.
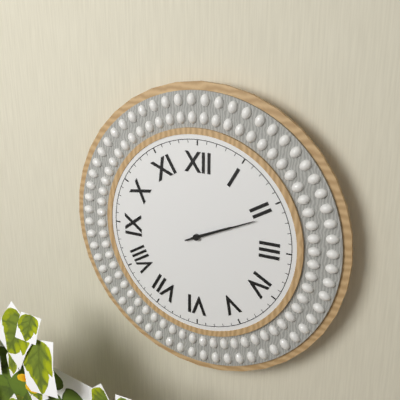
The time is 2,11
